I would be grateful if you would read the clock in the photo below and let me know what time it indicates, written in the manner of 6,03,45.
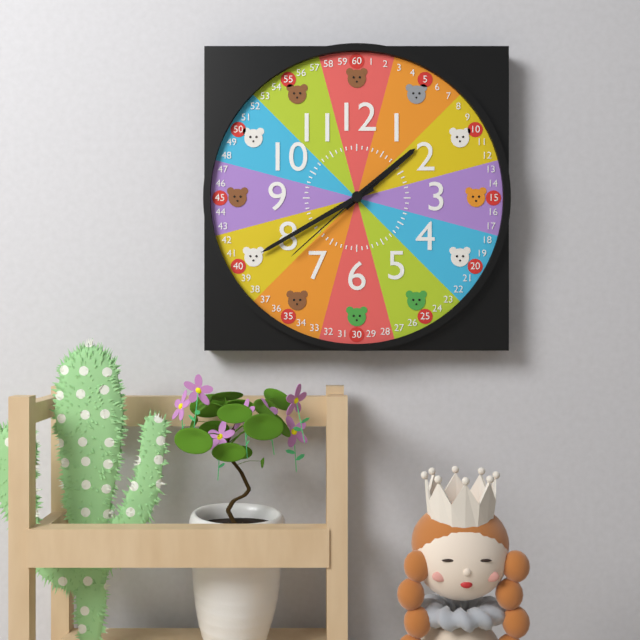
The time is 1,40,38
